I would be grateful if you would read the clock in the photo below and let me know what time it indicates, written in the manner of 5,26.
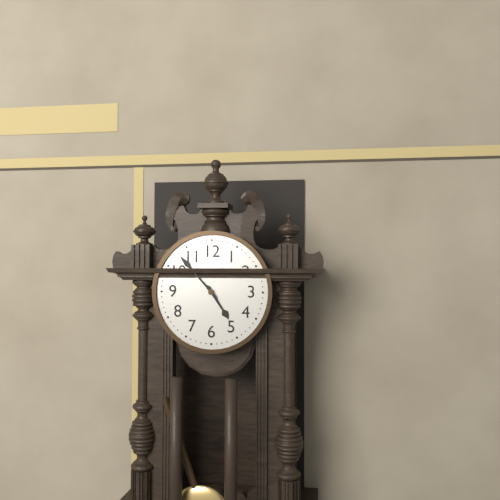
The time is 4,53
